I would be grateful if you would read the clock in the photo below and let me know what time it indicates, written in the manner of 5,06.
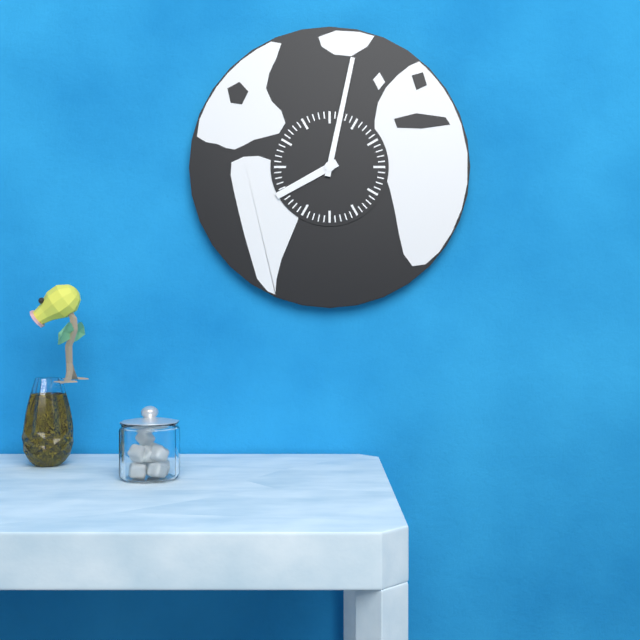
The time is 8,02
